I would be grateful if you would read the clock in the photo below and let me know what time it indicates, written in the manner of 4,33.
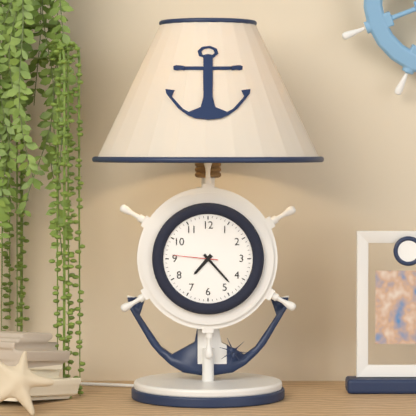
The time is 7,23
